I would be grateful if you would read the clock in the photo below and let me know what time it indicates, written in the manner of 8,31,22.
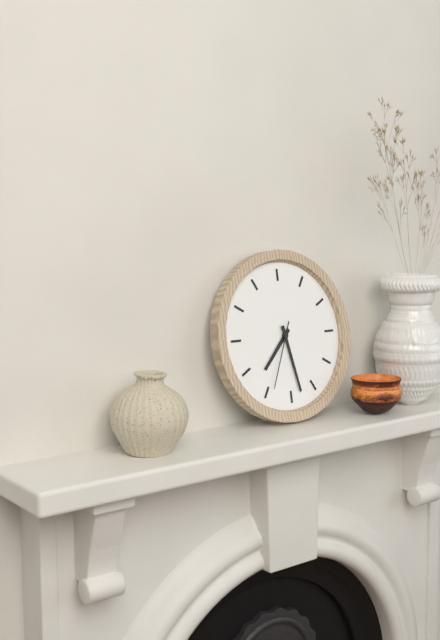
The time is 7,28,34
